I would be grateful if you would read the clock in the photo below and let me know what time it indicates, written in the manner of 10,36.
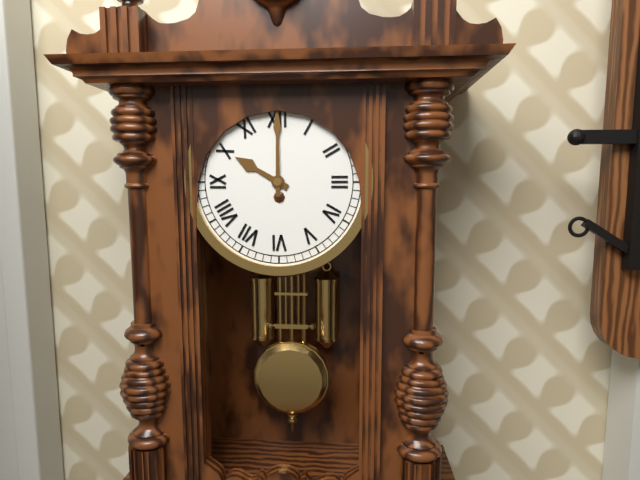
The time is 10,00
